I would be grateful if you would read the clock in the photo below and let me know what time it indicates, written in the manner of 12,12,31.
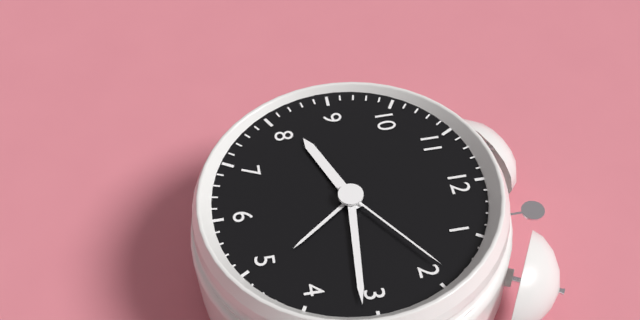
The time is 8,16,09
